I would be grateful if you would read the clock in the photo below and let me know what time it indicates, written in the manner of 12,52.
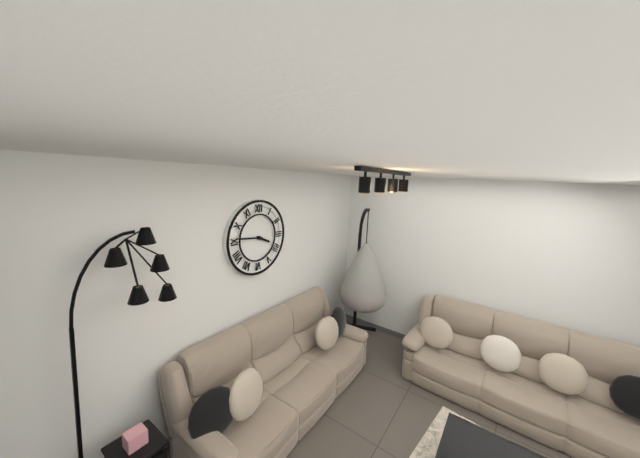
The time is 3,46
